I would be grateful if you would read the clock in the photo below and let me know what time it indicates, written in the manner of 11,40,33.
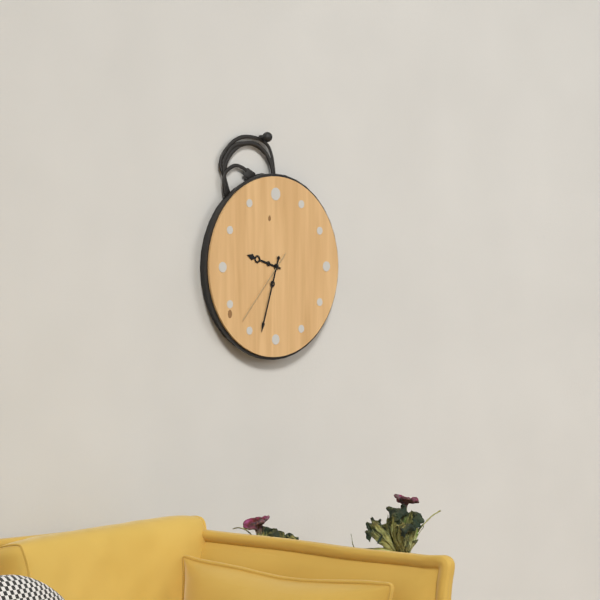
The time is 9,33,37
